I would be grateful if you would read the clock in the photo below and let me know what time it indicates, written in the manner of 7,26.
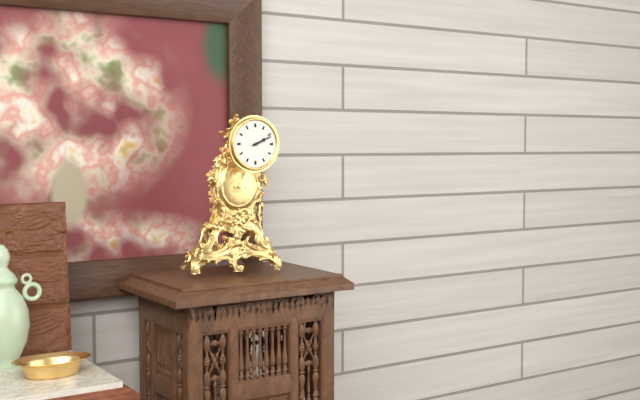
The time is 2,11
